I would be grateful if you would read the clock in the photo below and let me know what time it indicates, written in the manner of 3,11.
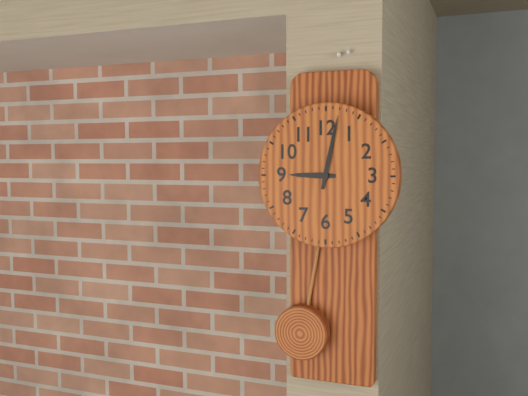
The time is 9,02
